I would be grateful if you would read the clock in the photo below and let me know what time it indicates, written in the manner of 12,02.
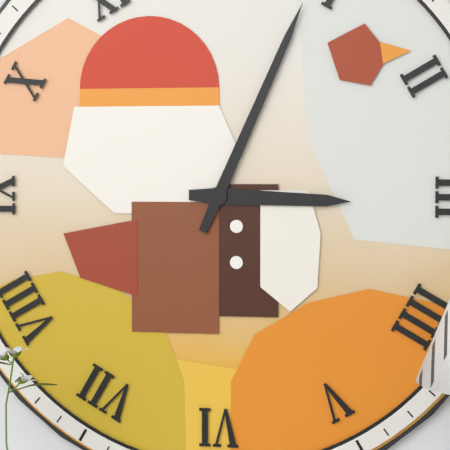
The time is 3,04
